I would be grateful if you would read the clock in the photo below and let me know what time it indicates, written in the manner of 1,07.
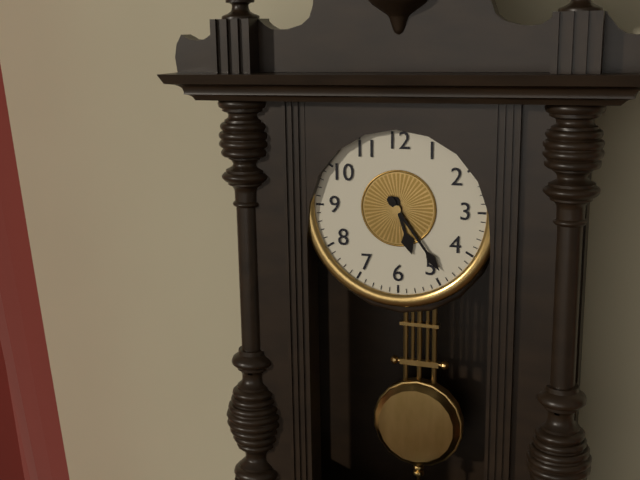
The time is 5,24
